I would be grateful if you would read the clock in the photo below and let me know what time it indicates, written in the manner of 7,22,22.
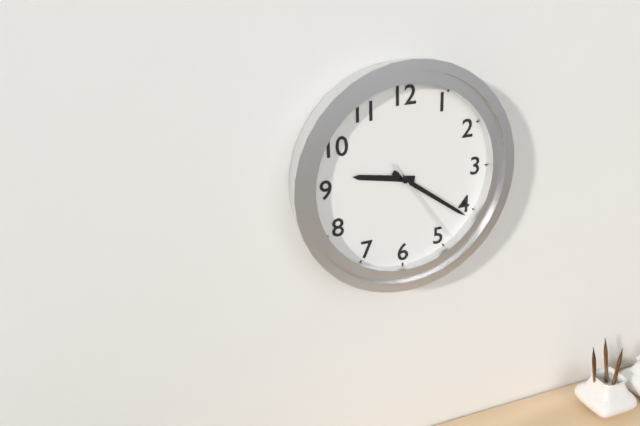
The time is 9,21,24
